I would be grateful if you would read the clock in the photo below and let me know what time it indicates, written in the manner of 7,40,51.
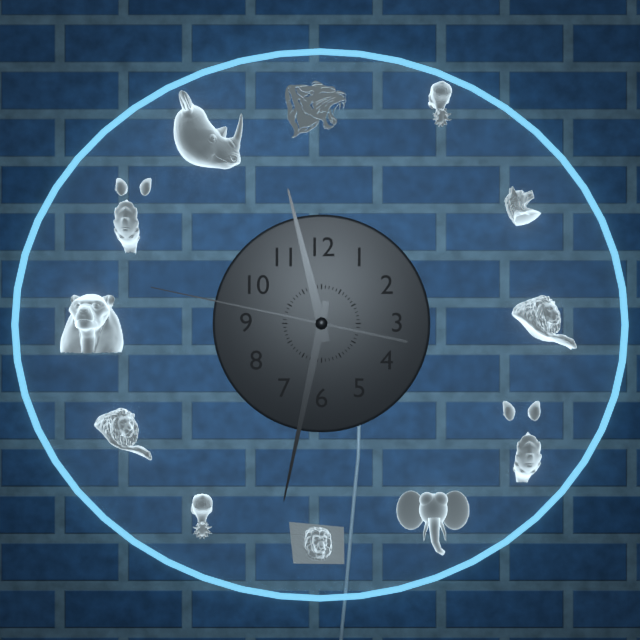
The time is 11,32,47
